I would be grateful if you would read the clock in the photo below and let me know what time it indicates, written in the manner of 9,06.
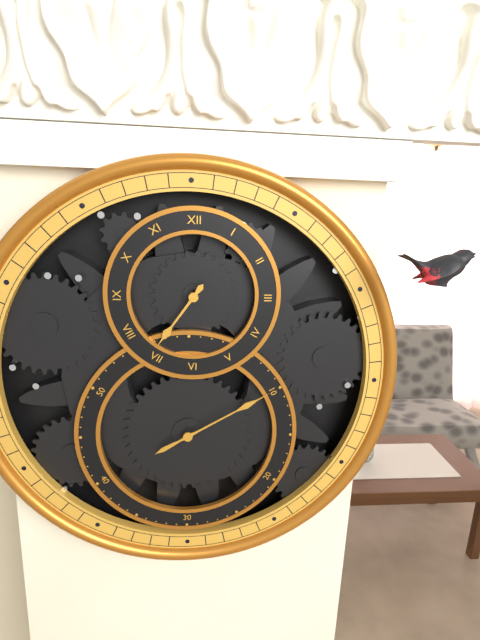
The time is 7,10
